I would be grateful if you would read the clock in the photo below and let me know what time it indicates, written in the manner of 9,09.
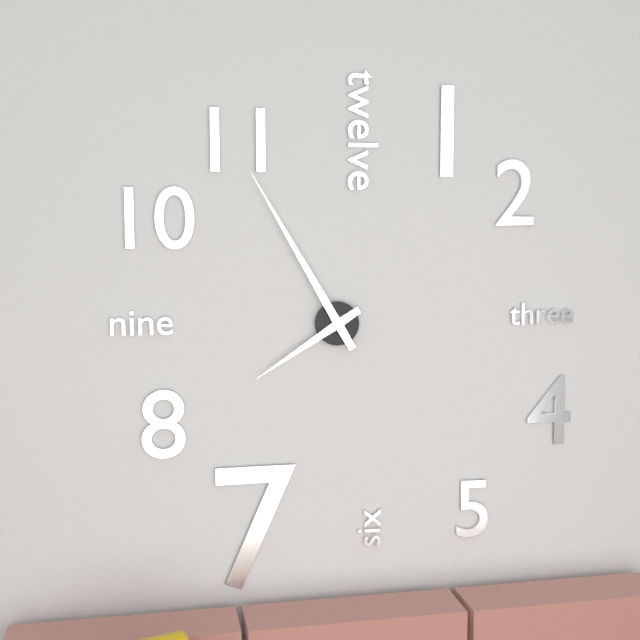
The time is 7,55
